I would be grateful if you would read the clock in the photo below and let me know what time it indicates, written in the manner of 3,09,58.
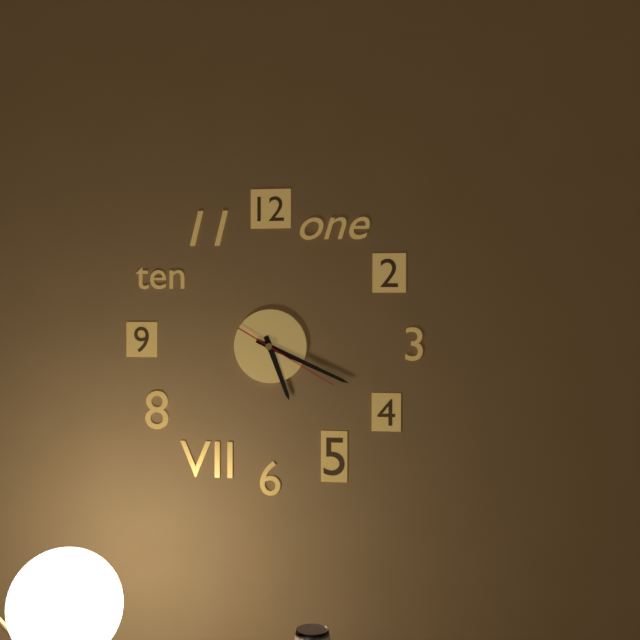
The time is 5,19,20
